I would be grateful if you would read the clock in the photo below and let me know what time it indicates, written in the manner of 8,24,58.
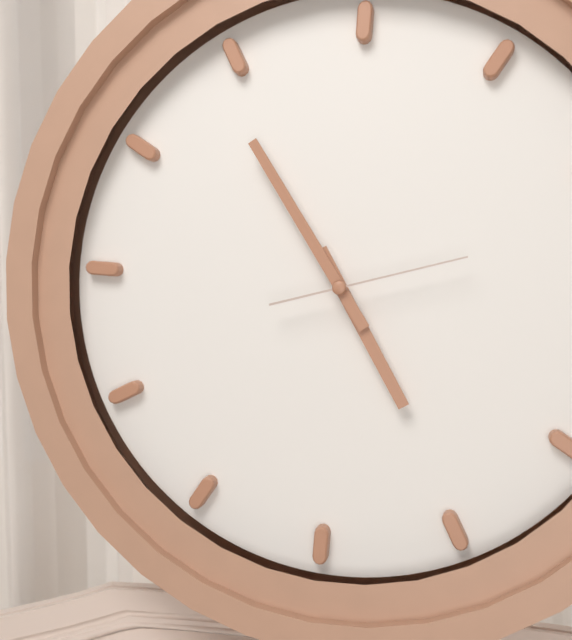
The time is 4,54,12
